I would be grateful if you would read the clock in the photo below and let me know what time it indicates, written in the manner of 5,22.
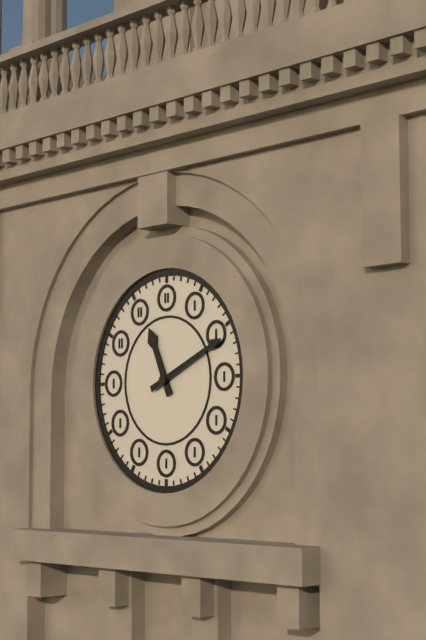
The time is 11,11
